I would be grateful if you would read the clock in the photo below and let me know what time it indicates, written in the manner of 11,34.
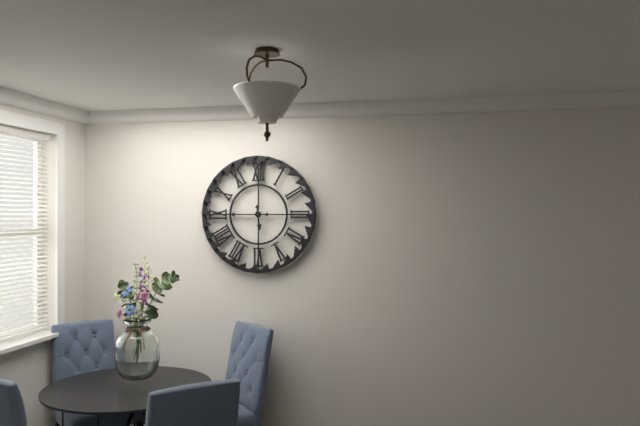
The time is 5,45
